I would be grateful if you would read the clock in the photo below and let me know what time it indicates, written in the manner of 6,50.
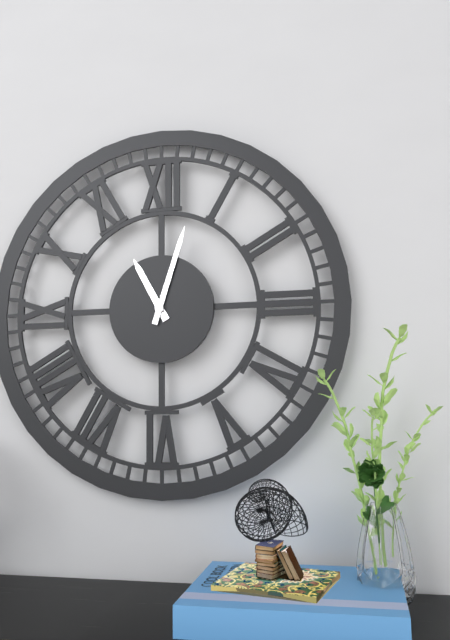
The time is 11,03
